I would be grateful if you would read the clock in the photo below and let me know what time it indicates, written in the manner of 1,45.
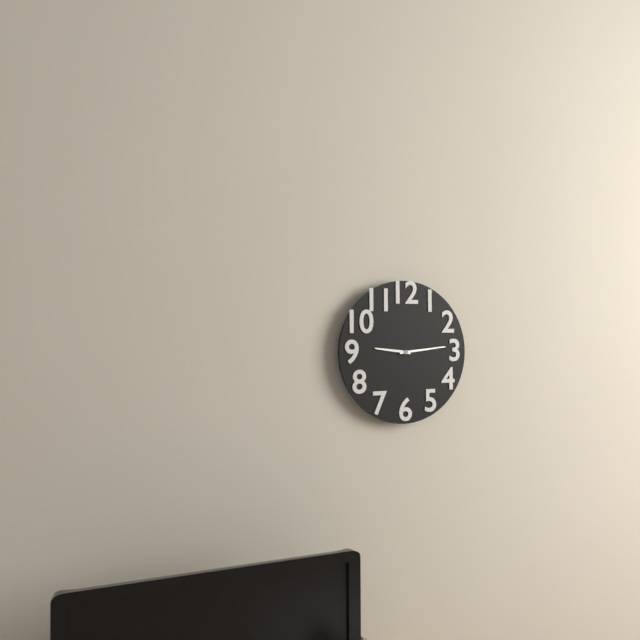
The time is 9,14
